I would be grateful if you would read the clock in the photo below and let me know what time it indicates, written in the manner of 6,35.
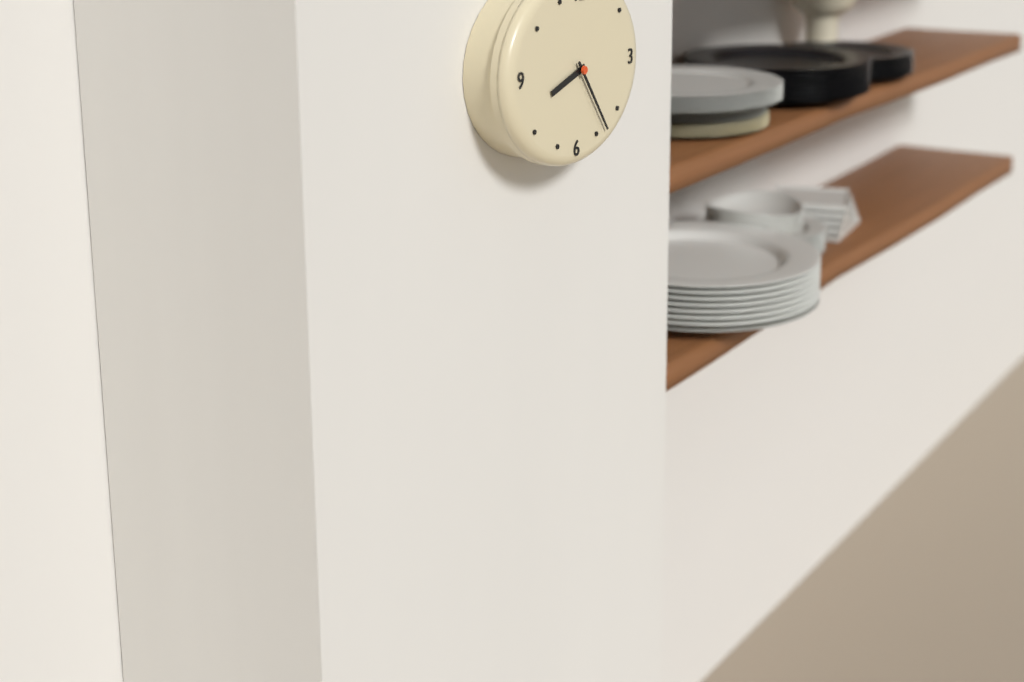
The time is 8,24
